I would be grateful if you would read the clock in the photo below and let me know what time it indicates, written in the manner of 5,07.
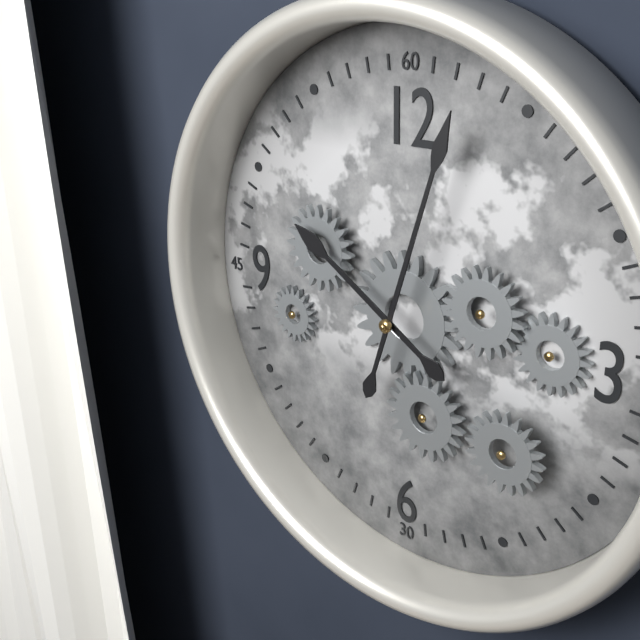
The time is 10,03
